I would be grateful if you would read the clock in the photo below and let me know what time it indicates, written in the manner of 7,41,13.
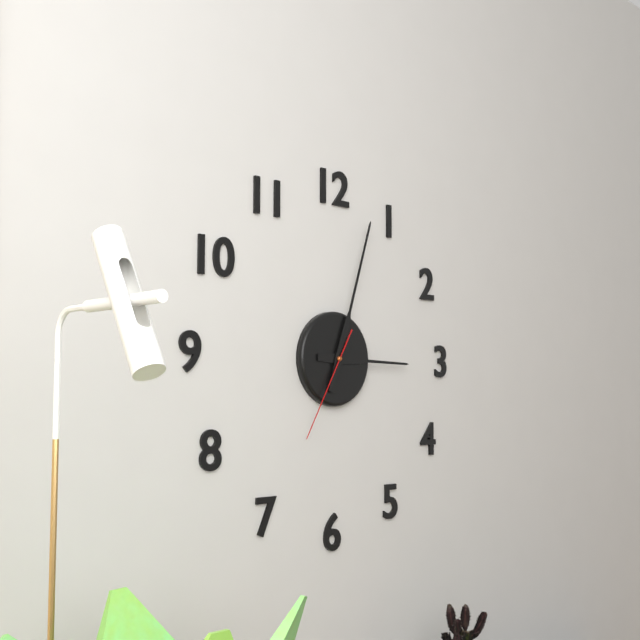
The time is 3,03,35
